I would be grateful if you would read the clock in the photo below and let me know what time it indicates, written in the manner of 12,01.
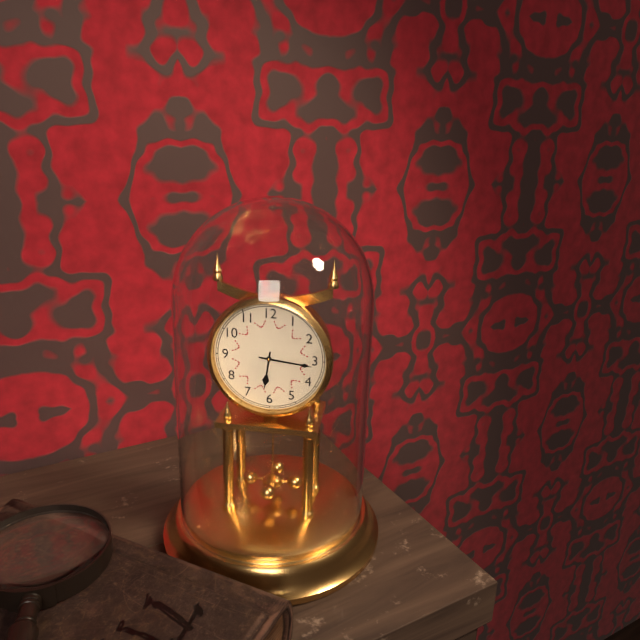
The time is 6,16
